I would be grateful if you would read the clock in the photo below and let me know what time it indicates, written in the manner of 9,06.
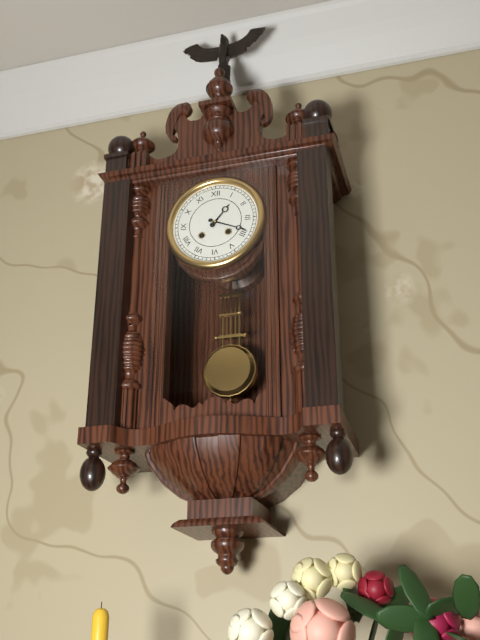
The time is 1,19
